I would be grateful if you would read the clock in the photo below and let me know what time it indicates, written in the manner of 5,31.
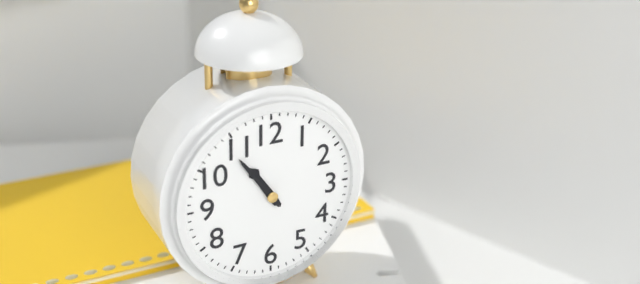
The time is 10,54
